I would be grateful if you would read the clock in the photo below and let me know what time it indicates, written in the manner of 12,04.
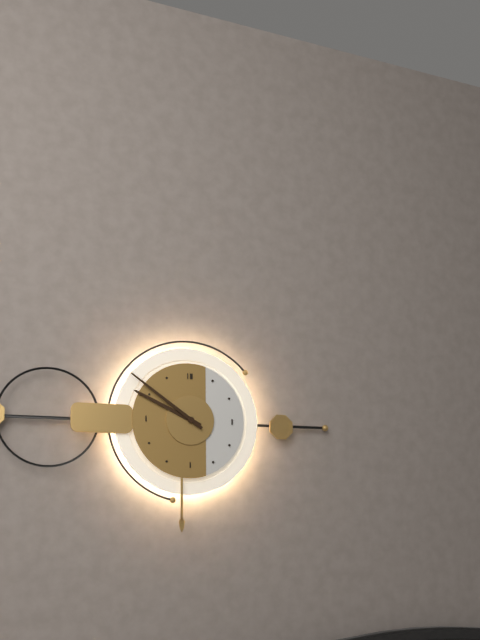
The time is 9,51
